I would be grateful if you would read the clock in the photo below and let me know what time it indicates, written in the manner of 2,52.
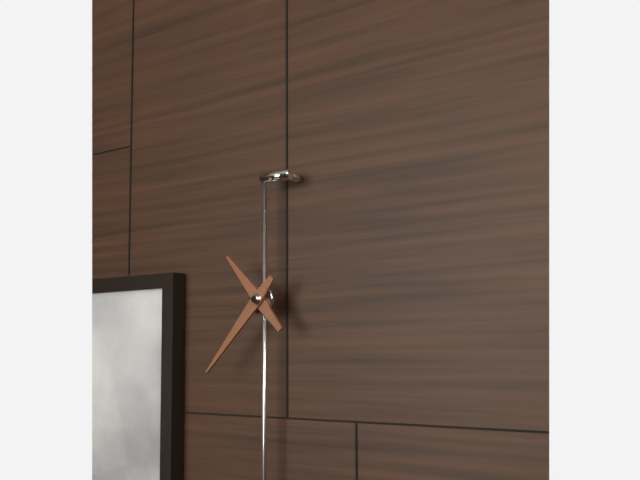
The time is 10,37
